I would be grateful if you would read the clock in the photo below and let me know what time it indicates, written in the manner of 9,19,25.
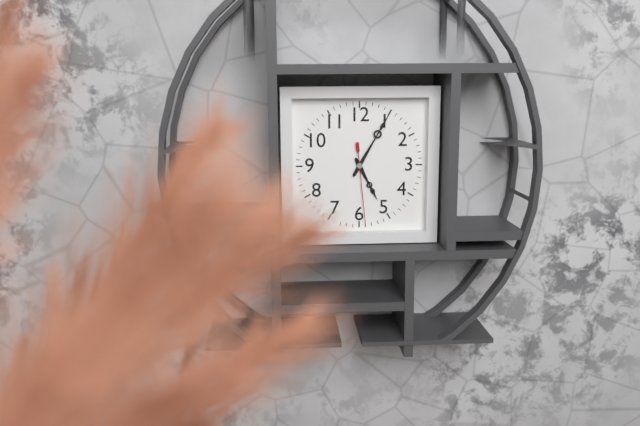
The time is 5,05,29
